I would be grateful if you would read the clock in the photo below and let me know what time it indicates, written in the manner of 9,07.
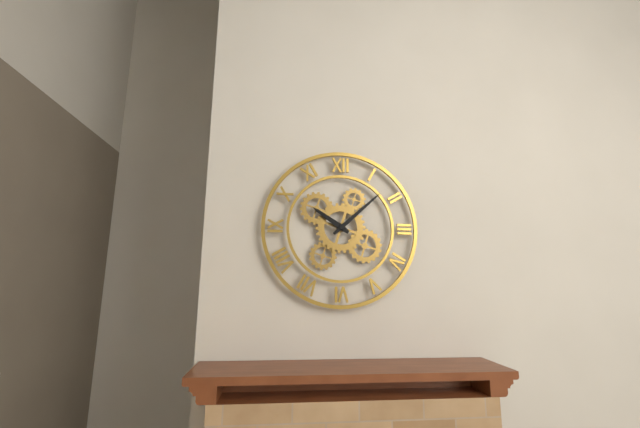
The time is 10,08
